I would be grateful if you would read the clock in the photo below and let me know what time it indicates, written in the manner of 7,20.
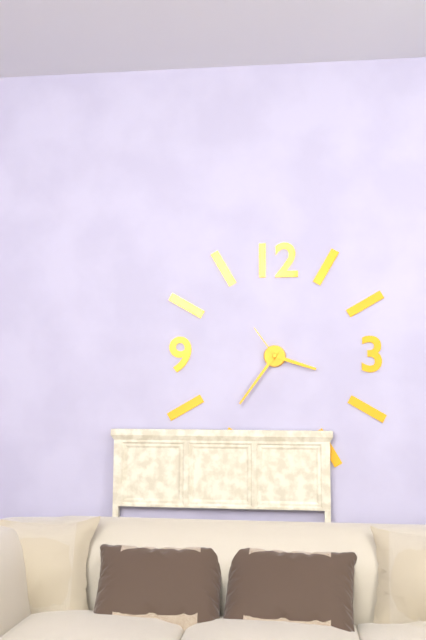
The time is 3,36
